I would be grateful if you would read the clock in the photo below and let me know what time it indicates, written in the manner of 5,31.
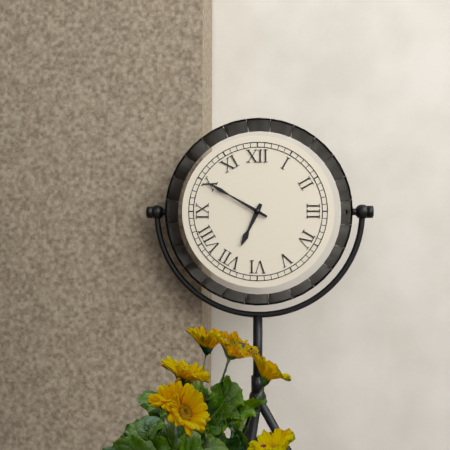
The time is 6,50
